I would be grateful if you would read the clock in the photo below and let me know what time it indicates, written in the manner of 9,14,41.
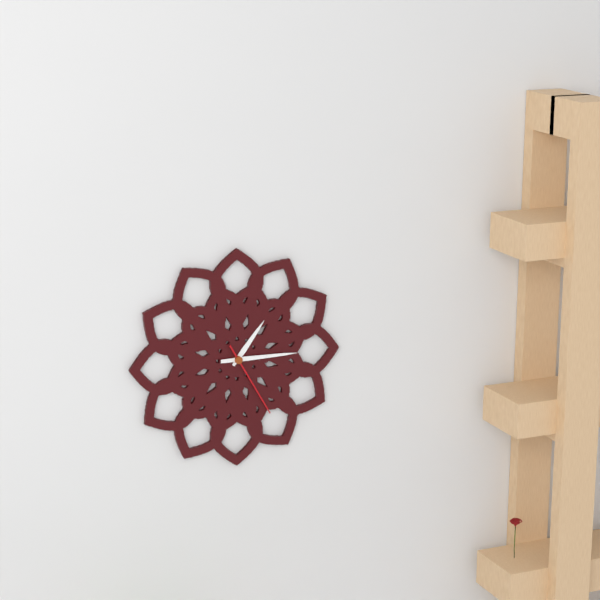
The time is 1,15,25
